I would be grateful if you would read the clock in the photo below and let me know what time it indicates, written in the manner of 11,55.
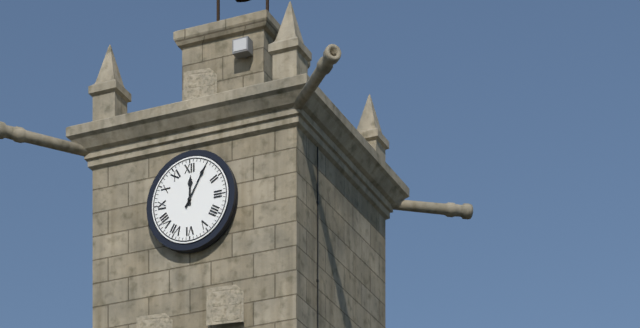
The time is 12,05
